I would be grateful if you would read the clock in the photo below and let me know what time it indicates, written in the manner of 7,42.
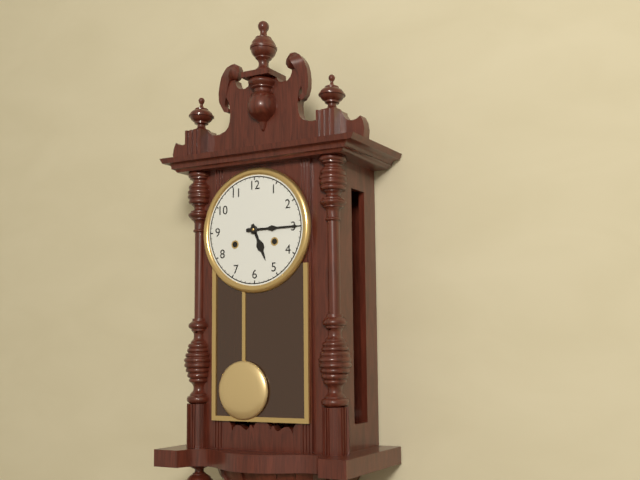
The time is 5,15
